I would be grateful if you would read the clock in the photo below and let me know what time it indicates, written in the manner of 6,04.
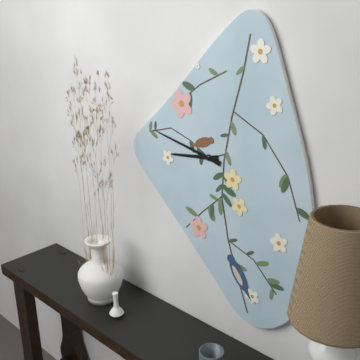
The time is 8,47
